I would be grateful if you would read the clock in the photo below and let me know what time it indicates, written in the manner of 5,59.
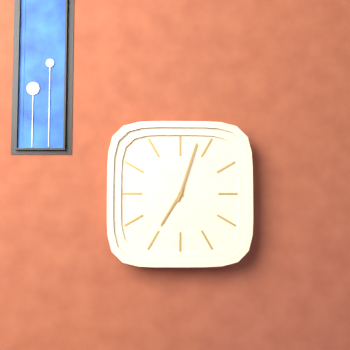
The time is 7,03
